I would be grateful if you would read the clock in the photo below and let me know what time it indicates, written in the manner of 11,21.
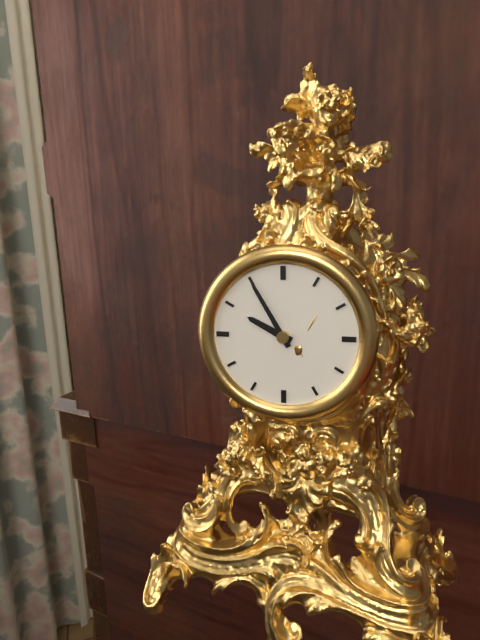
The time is 9,55
